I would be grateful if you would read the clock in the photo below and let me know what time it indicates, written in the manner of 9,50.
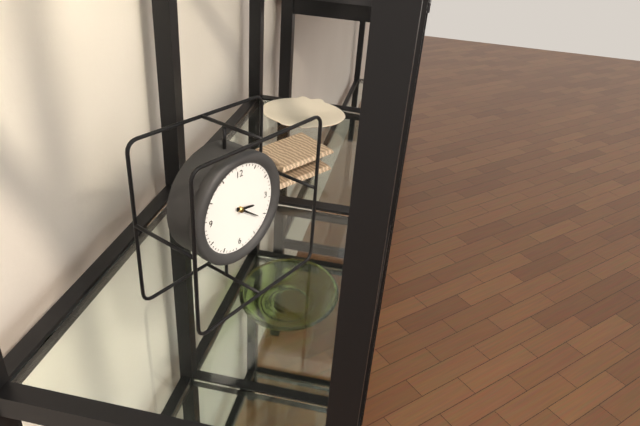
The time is 3,21
